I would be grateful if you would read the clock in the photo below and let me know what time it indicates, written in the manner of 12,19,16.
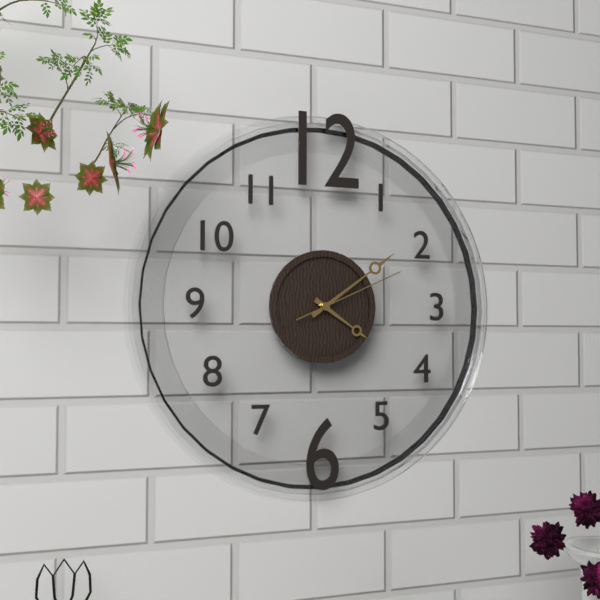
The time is 4,09,11
